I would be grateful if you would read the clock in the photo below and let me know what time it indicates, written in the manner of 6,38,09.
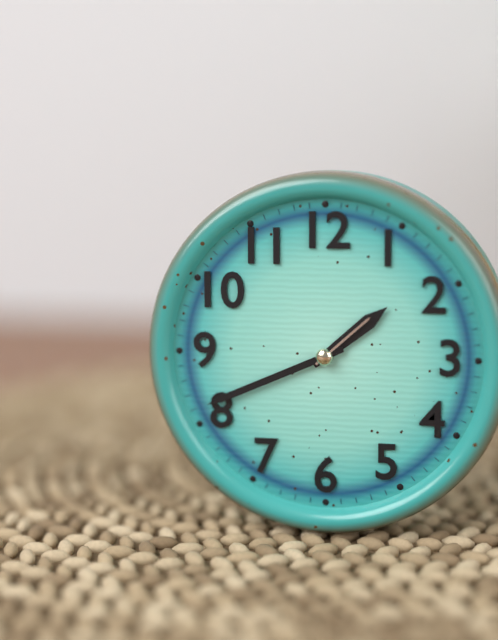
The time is 1,41,08
